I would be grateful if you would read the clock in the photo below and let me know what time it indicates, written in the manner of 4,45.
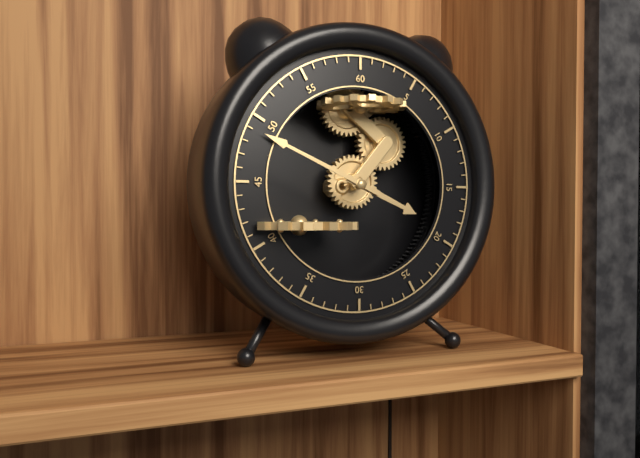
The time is 3,49
